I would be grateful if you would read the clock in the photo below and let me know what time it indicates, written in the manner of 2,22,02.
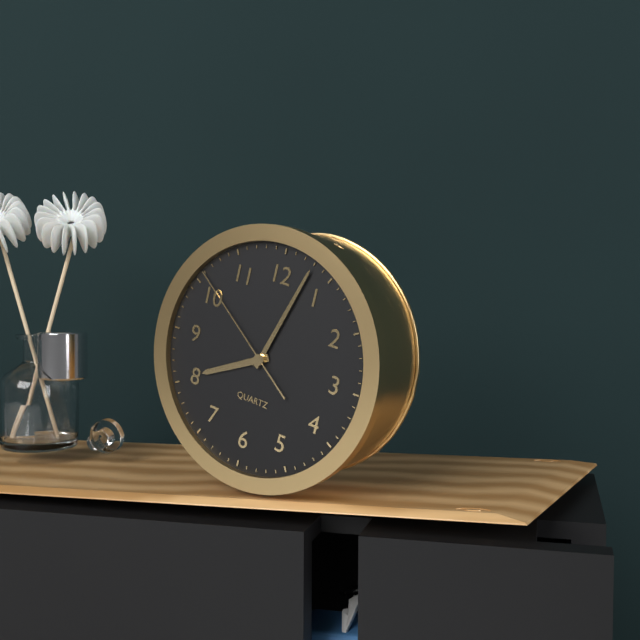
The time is 8,03,51
